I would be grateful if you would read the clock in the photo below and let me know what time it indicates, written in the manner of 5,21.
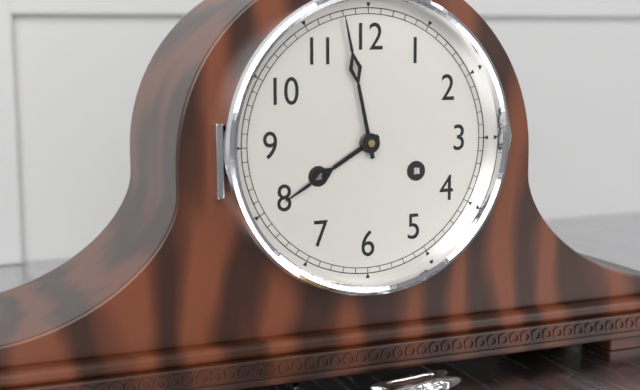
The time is 7,58
